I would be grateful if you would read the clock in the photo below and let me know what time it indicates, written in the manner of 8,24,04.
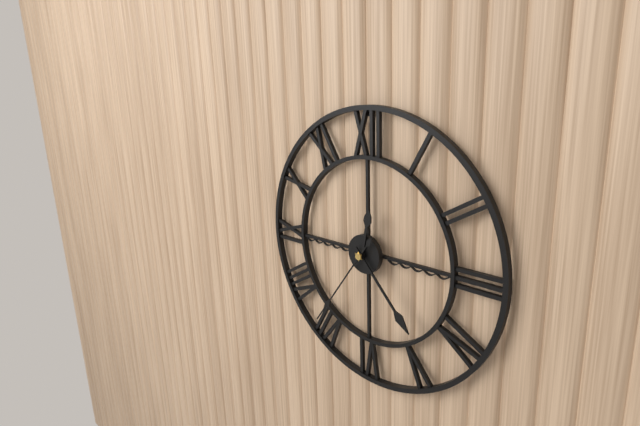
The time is 12,23,36
